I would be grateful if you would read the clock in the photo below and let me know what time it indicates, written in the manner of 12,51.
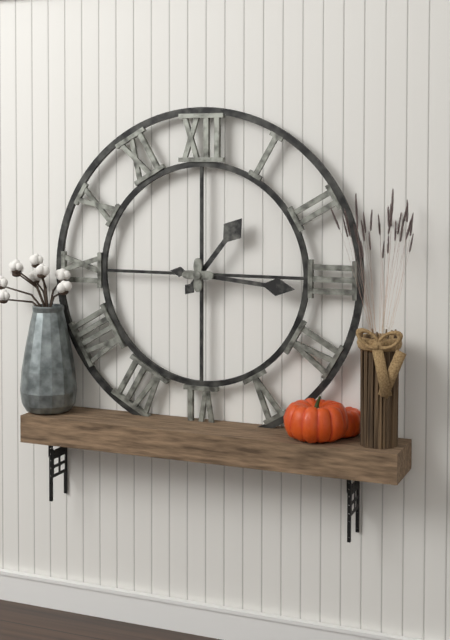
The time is 1,16
